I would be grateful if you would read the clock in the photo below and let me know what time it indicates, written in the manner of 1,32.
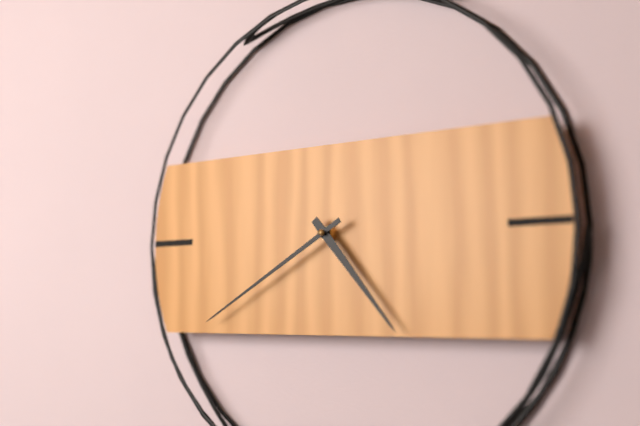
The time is 4,40
